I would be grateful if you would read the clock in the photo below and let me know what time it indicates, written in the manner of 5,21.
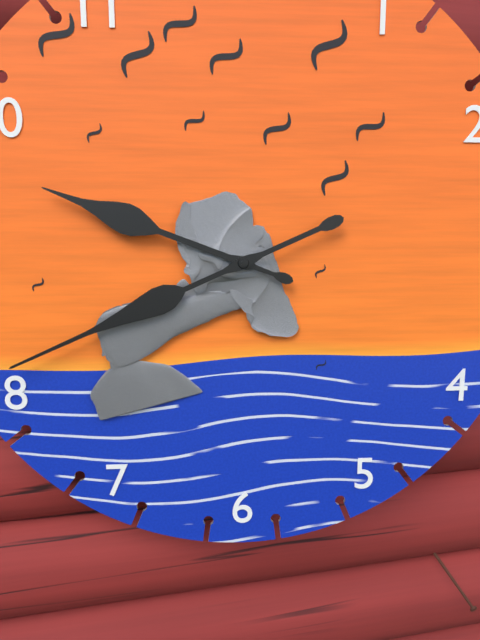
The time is 9,41
